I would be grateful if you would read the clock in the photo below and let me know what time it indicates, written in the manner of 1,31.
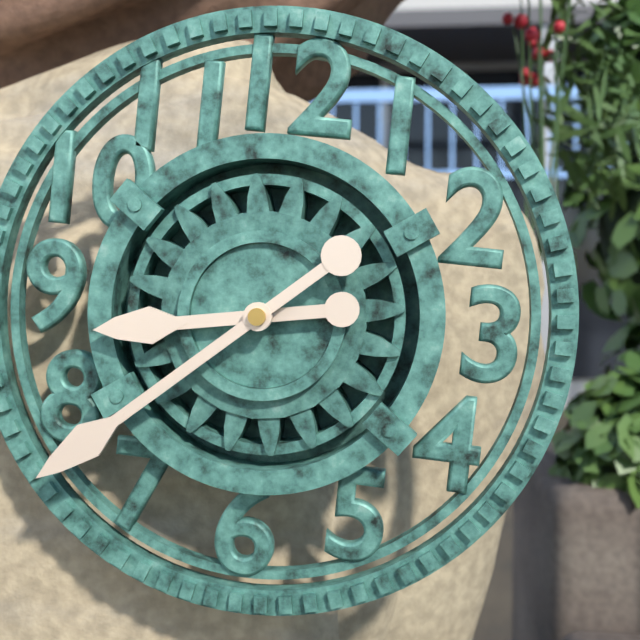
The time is 8,38
